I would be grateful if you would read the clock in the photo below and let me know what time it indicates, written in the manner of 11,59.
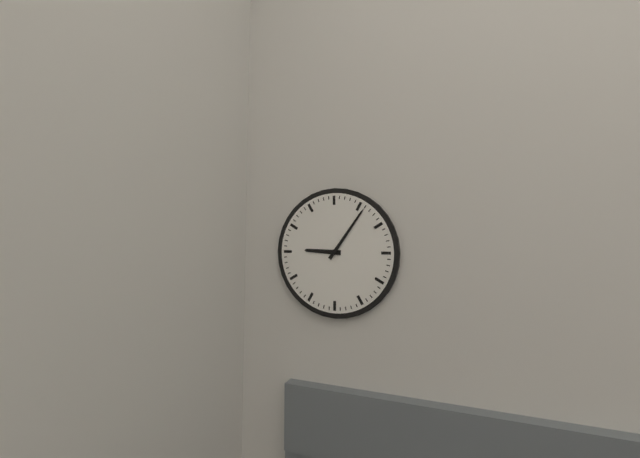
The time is 9,06
